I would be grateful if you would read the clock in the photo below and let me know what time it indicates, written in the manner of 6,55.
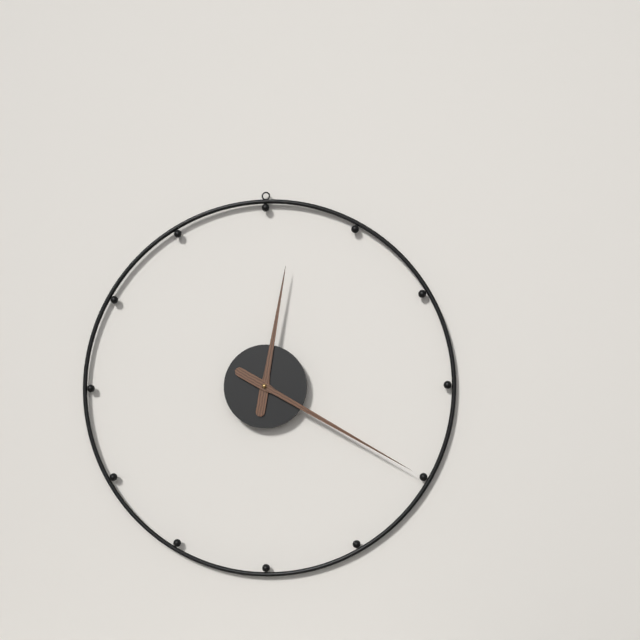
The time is 12,20
